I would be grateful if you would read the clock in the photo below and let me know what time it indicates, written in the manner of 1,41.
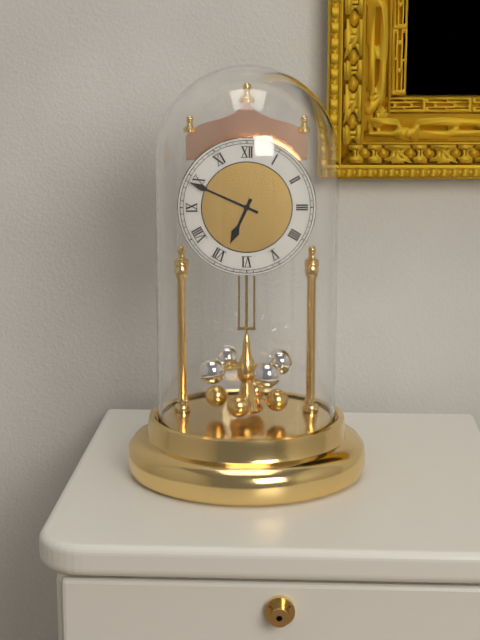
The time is 6,49
